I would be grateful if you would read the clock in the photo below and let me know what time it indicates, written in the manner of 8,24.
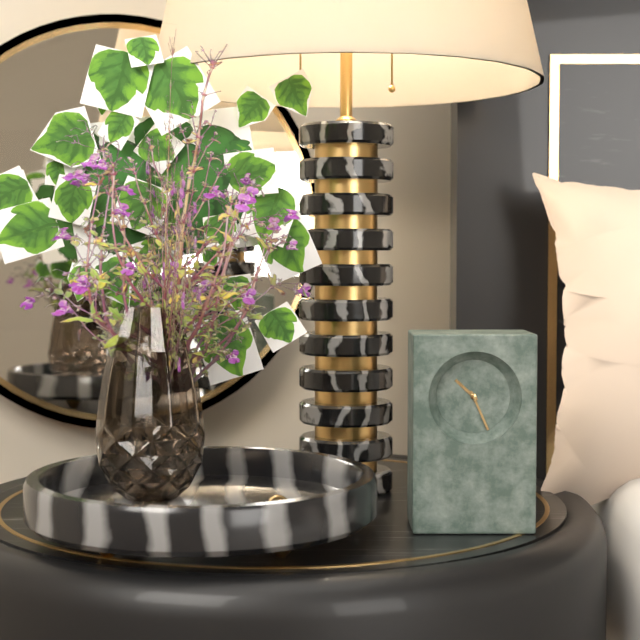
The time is 10,26
